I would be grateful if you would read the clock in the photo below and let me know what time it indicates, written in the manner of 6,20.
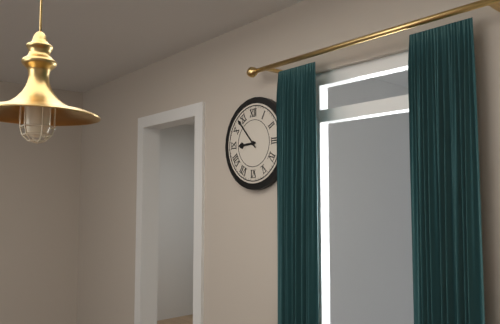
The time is 8,53
